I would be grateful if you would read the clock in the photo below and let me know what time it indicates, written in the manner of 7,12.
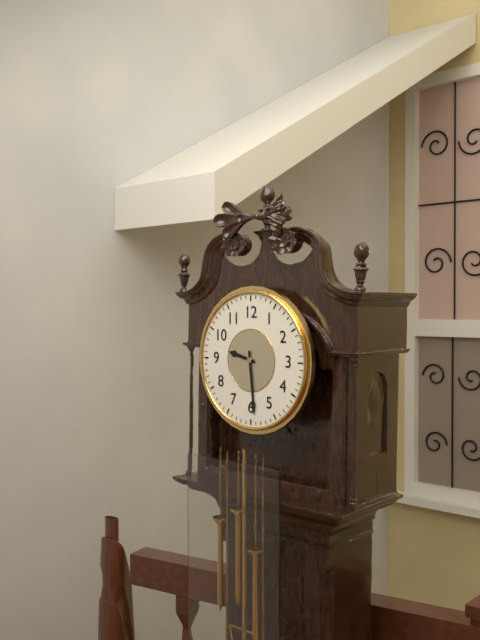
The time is 9,29
